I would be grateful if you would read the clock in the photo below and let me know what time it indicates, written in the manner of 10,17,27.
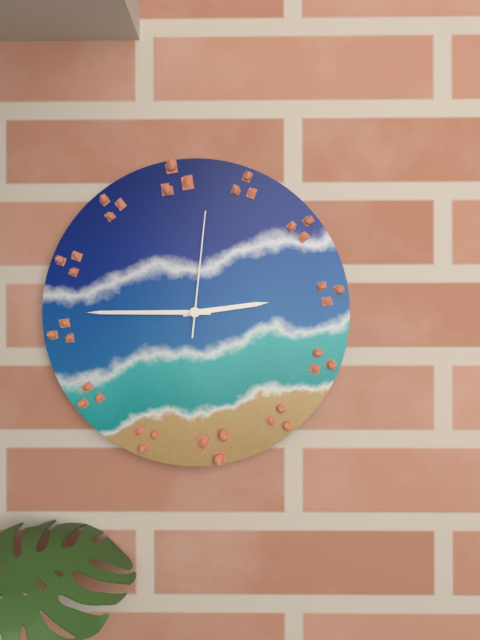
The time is 2,45,01
